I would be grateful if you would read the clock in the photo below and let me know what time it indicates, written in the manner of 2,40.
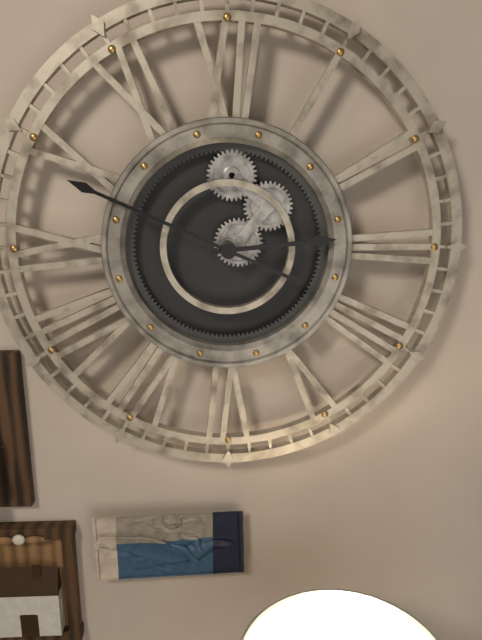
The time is 2,49
